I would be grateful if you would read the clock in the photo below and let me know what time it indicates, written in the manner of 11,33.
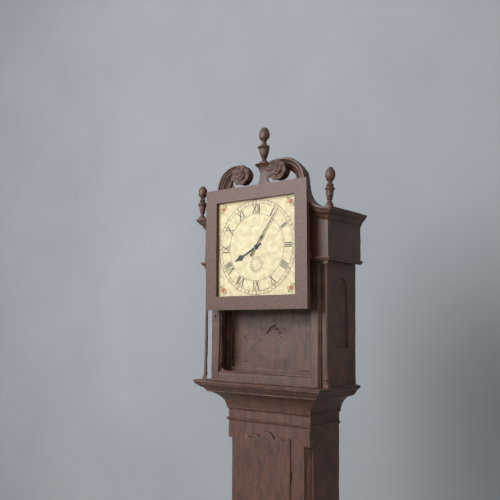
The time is 8,06
